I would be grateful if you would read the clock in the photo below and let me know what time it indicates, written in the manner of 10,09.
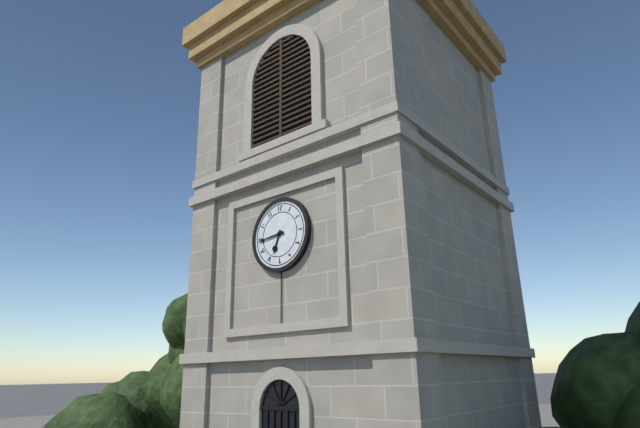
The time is 6,44
